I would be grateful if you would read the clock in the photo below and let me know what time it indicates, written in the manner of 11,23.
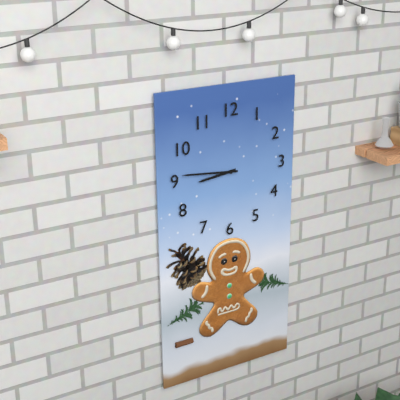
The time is 8,46
